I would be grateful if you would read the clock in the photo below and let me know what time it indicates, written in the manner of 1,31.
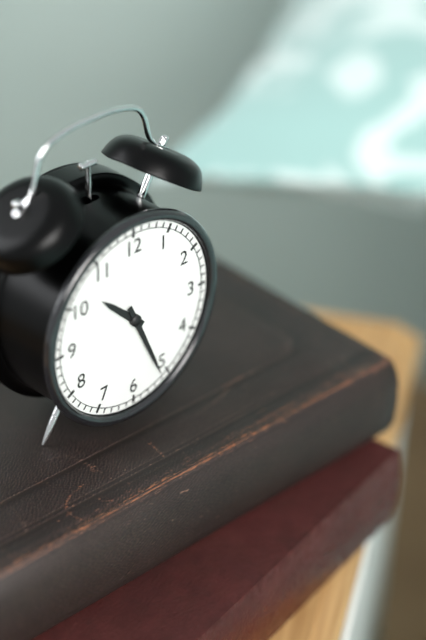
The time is 10,26
